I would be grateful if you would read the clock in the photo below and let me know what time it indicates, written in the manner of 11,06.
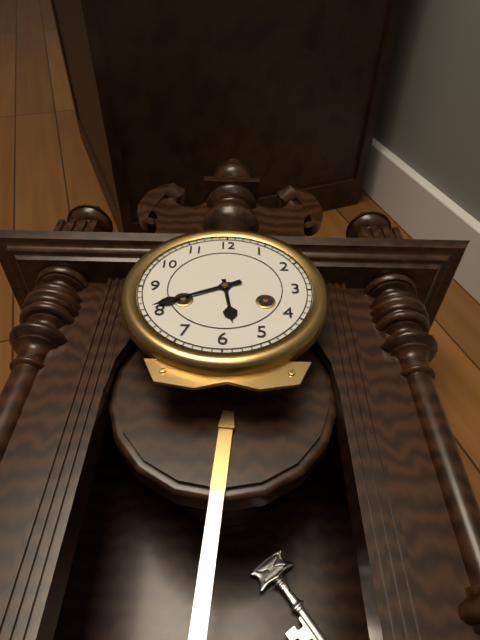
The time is 5,41
